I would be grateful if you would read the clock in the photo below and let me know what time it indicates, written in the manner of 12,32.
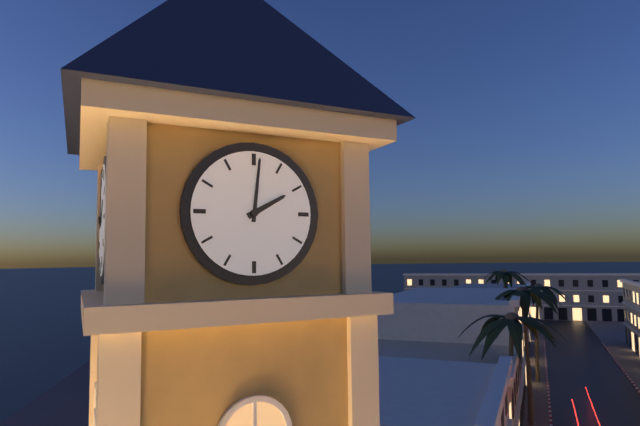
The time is 2,01
